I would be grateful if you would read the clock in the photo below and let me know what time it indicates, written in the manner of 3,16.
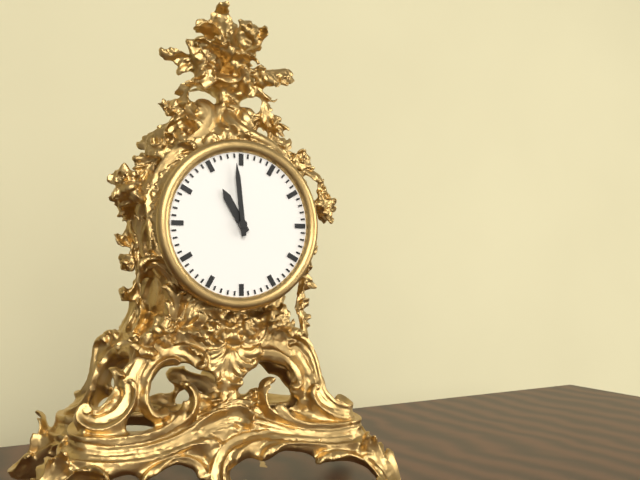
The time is 10,59
